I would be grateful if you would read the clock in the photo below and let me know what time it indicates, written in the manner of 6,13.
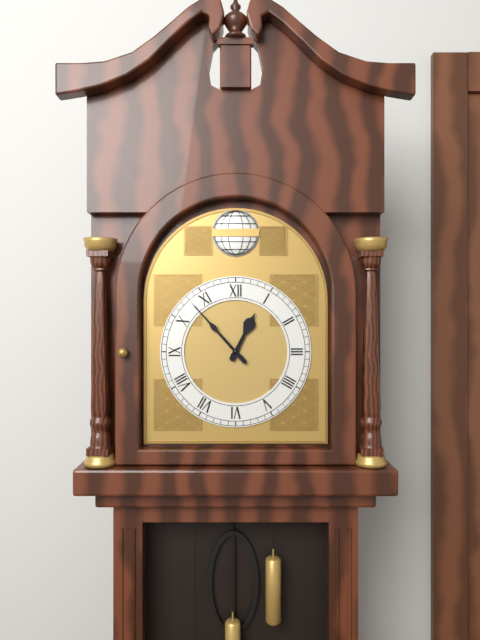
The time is 12,53
